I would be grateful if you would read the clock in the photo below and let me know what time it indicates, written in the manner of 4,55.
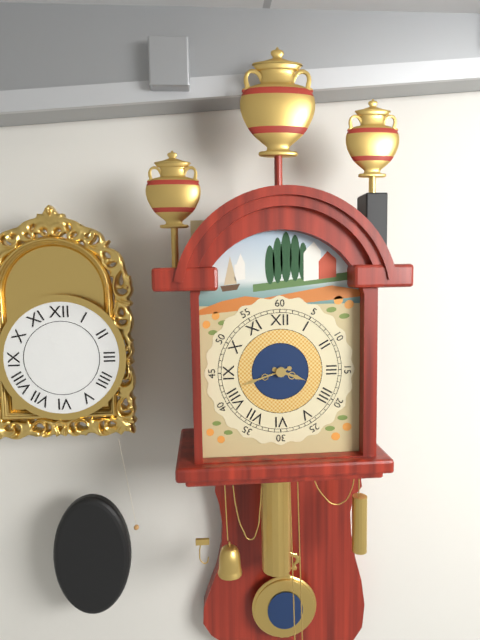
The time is 3,42
